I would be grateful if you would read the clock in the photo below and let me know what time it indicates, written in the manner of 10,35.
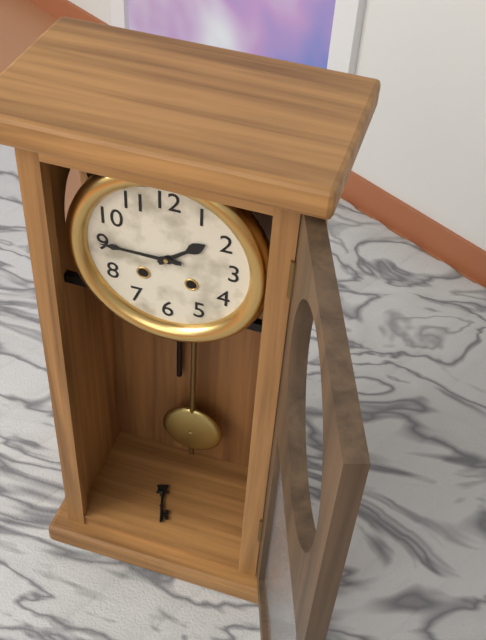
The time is 1,45
